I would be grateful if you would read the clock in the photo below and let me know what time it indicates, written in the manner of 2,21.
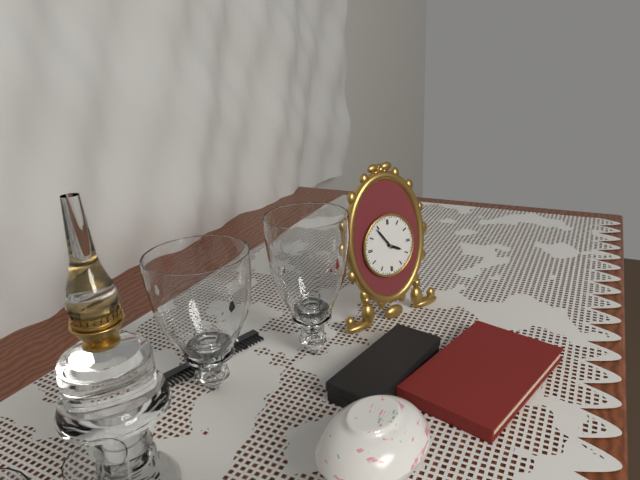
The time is 3,54
